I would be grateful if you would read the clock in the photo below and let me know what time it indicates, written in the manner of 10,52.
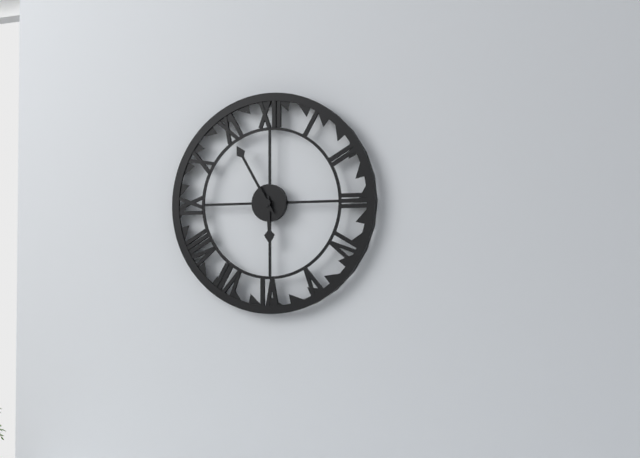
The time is 5,55
